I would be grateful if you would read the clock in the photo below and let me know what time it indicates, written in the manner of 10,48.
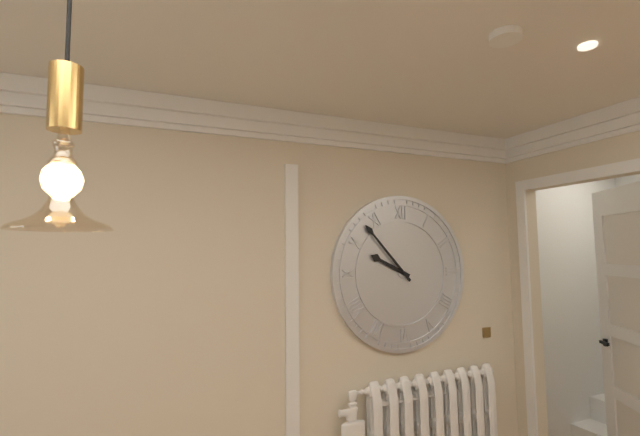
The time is 9,53
